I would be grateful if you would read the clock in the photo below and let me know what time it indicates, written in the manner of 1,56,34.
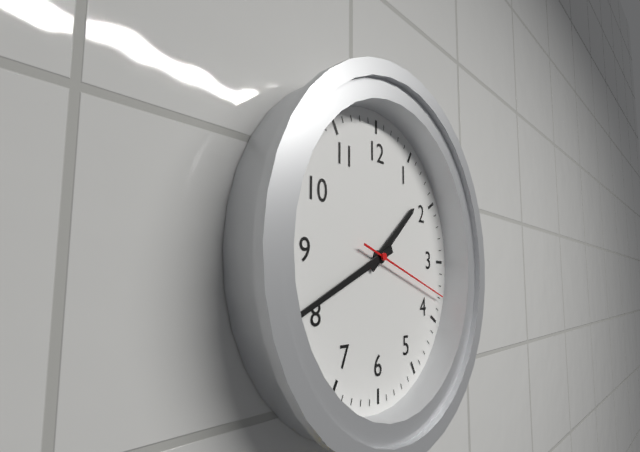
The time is 1,41,18
